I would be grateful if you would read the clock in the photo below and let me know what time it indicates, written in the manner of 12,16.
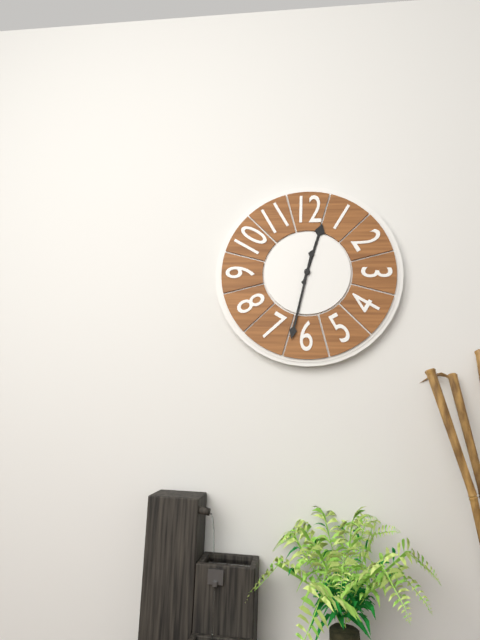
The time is 12,32
